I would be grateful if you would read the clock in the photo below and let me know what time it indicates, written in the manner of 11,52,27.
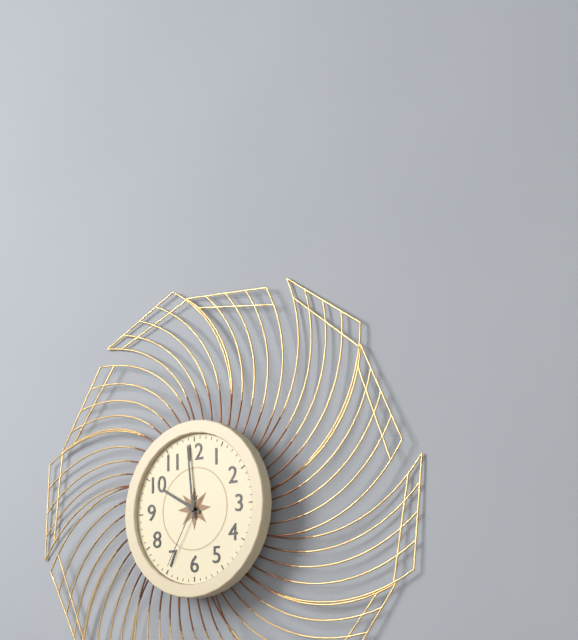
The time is 9,59,35
